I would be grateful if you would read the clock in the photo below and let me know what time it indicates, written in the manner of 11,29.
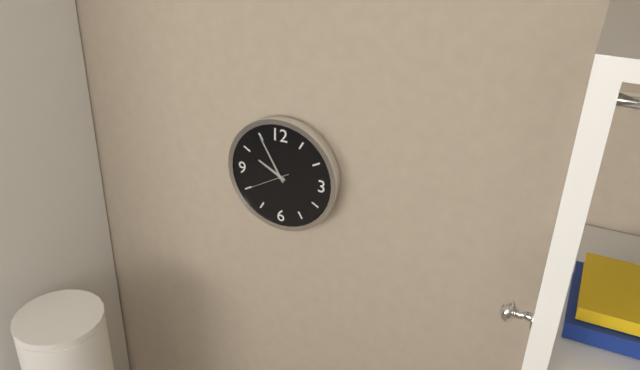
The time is 9,55
